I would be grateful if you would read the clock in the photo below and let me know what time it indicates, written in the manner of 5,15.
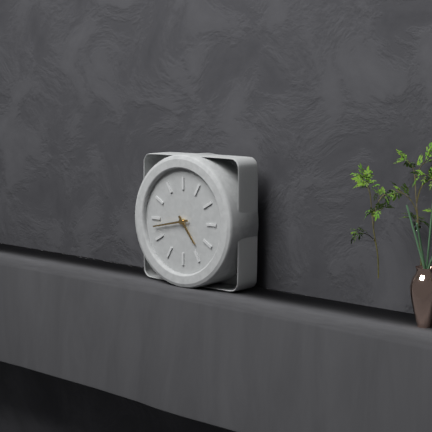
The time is 4,43
